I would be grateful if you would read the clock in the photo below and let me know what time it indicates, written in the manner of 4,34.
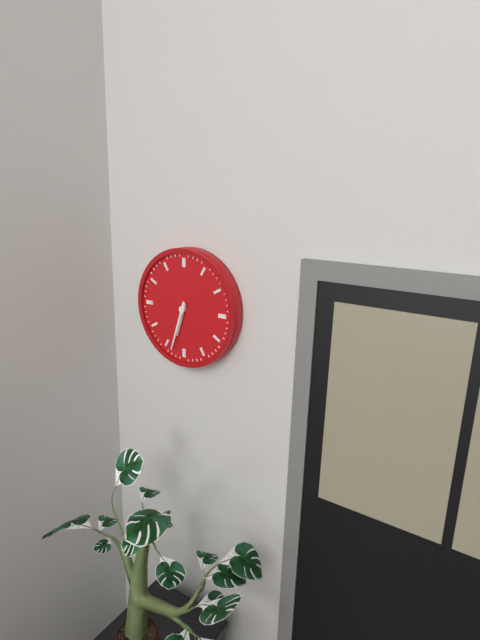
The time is 6,33
